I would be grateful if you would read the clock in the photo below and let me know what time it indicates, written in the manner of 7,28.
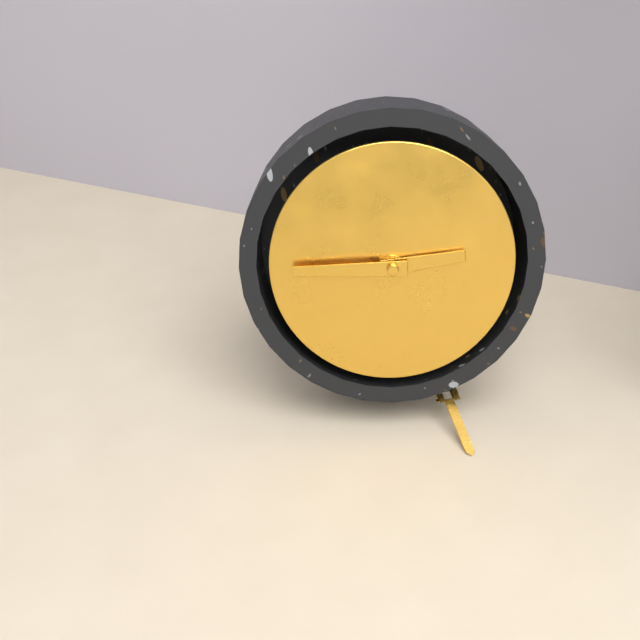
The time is 2,45
